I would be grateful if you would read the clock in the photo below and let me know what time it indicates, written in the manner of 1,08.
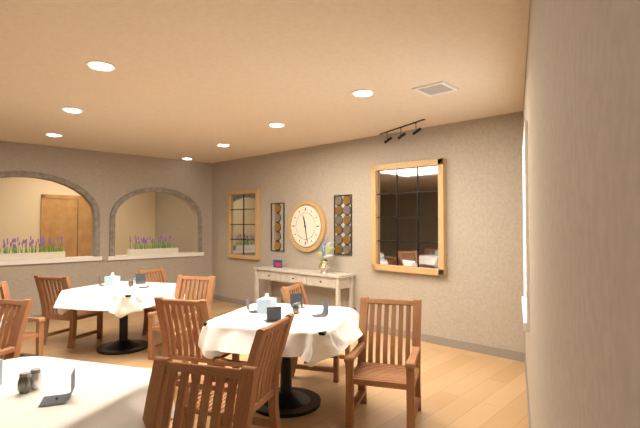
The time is 11,28
